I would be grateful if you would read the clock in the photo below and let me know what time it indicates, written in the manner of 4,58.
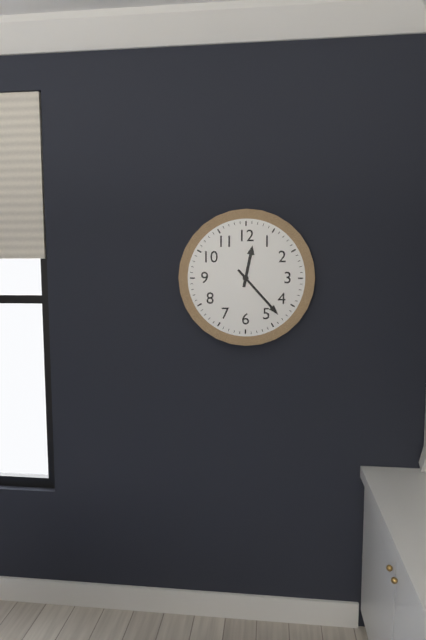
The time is 12,23
